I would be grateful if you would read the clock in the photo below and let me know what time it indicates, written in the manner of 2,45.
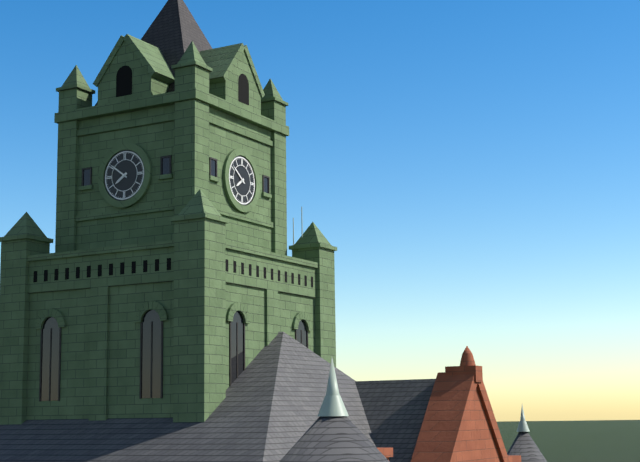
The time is 7,51
